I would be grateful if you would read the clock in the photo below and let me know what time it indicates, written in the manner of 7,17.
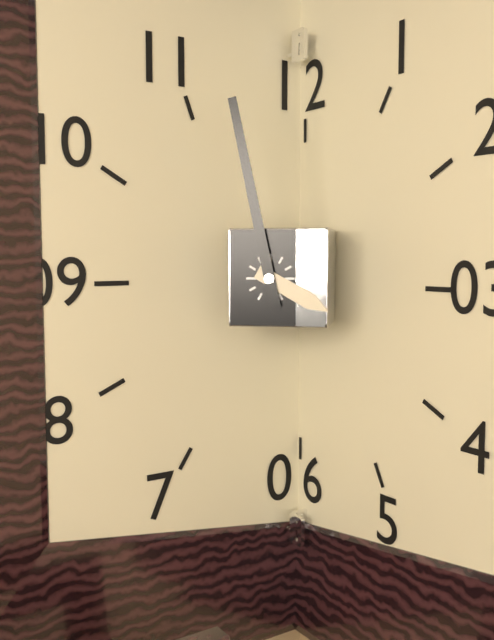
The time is 3,58
